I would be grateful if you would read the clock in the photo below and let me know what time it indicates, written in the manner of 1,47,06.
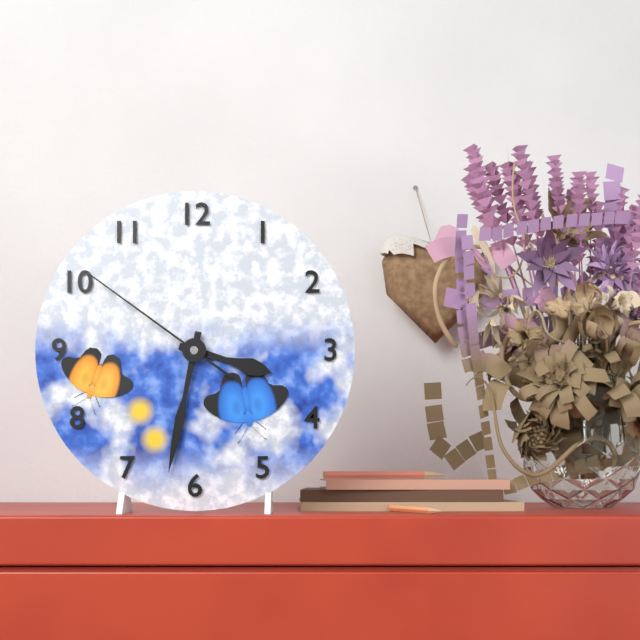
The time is 3,32,51
